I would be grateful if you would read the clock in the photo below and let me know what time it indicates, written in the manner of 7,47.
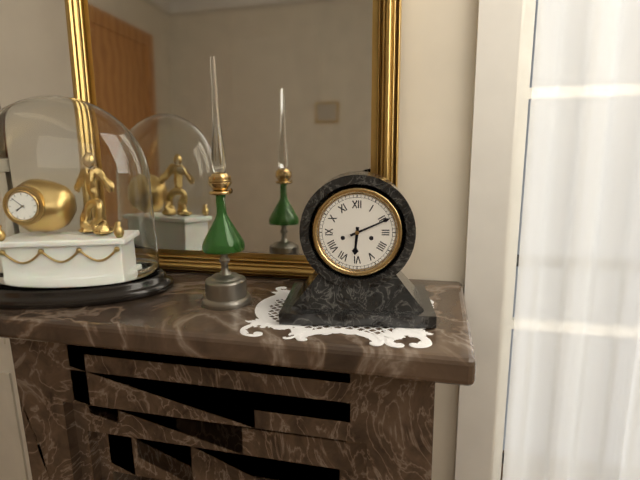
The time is 6,11
